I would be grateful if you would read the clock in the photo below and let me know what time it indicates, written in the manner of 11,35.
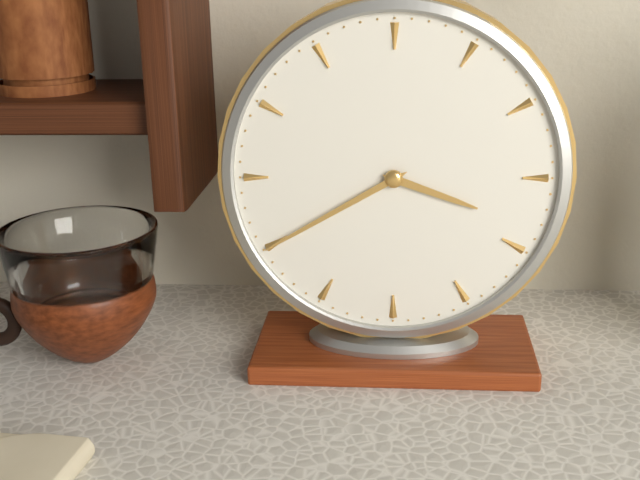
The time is 3,40
